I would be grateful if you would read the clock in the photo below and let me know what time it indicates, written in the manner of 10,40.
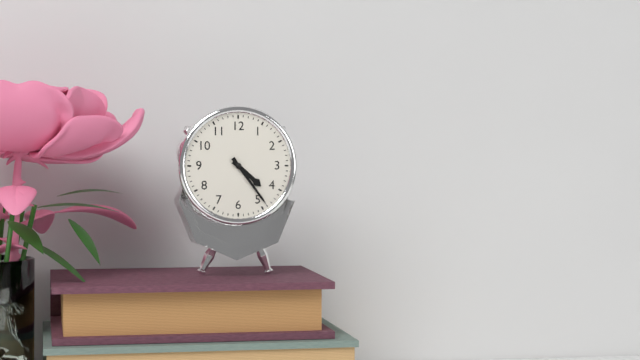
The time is 4,24
